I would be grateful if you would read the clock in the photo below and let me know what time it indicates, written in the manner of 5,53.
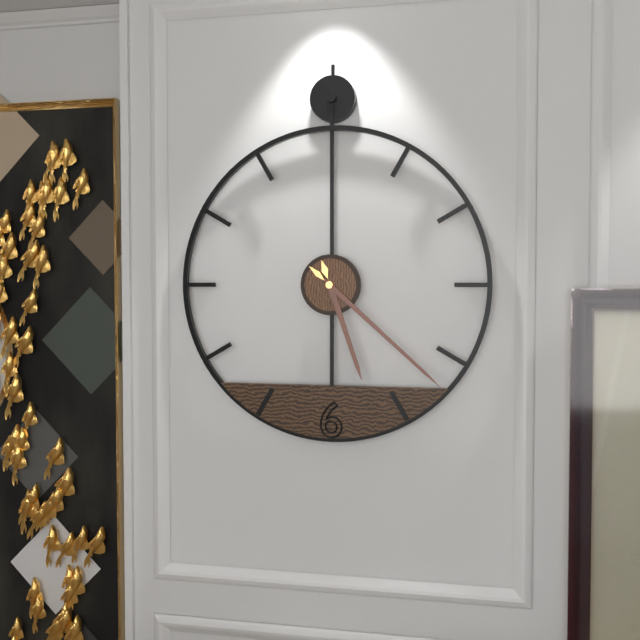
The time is 5,22
